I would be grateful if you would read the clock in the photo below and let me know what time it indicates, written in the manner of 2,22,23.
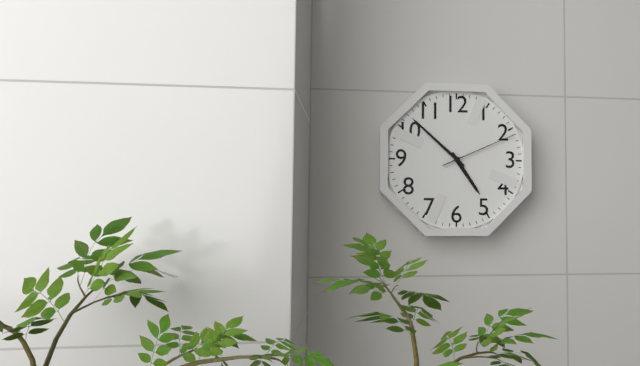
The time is 4,52,11
